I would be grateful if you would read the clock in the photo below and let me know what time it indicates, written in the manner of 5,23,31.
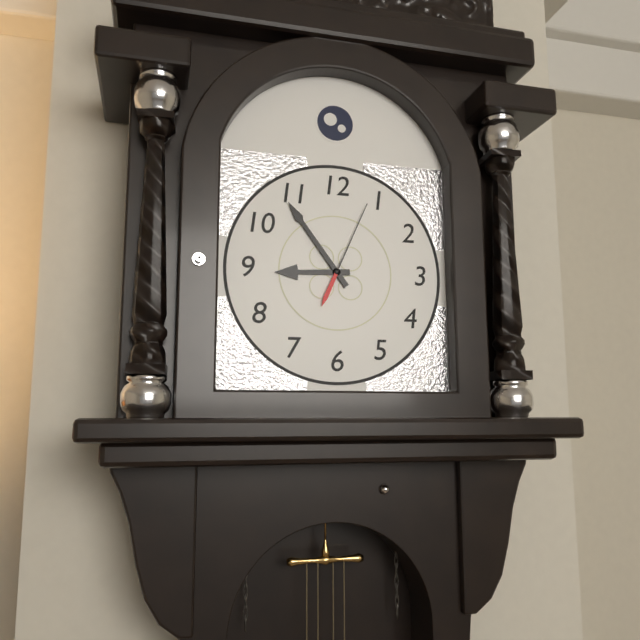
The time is 8,54,04
